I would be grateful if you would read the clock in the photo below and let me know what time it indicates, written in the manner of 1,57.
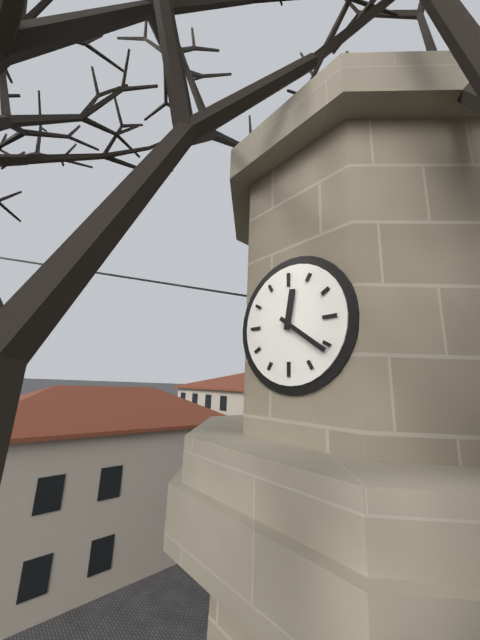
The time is 12,21
